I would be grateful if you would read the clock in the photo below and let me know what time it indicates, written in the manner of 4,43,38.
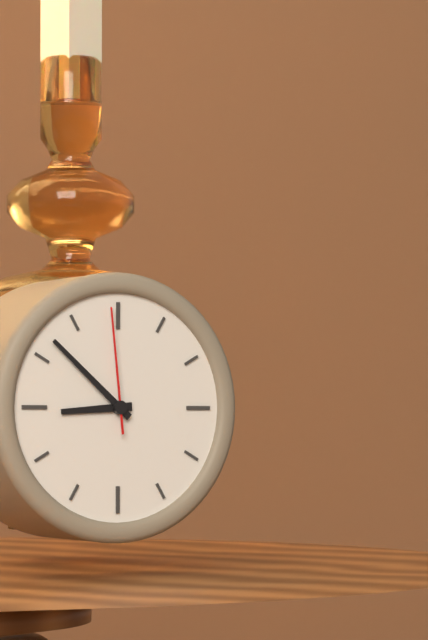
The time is 8,52,59
